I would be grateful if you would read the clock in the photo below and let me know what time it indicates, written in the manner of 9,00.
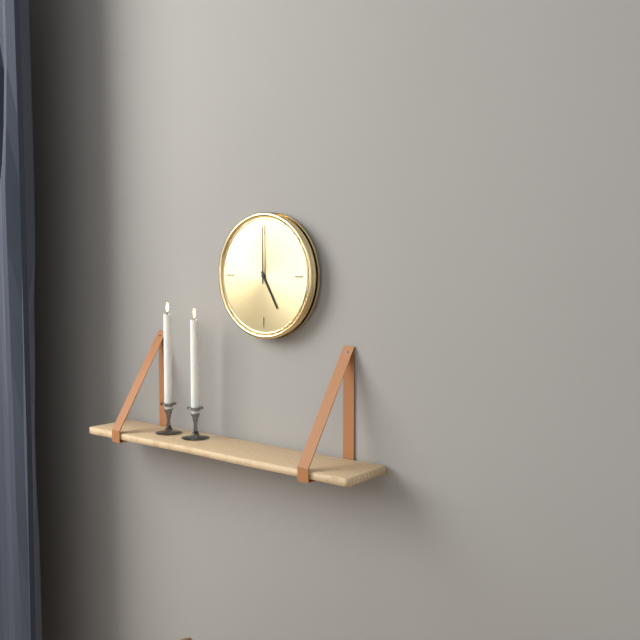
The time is 5,00
